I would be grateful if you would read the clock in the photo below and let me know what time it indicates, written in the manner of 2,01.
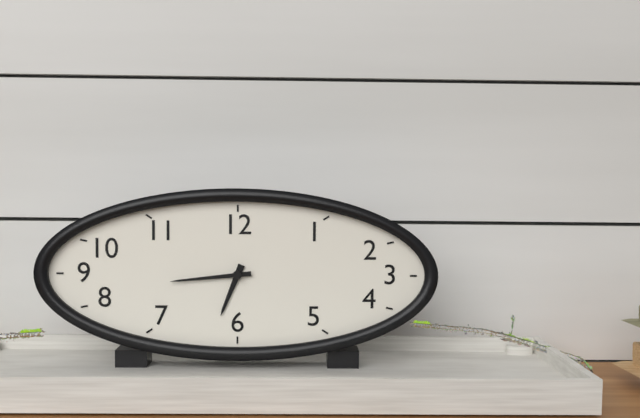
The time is 6,44
